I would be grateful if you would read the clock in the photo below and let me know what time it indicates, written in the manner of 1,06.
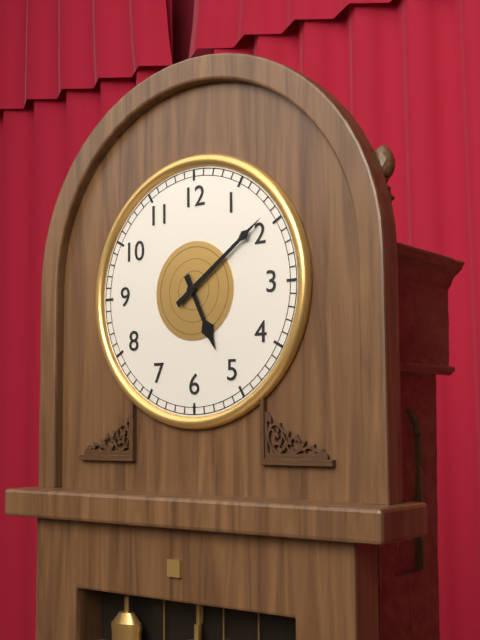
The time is 5,09
